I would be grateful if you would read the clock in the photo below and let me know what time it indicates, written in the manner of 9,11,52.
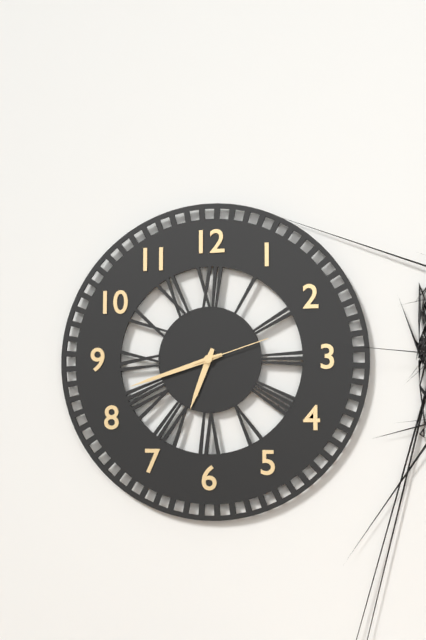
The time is 6,42,12
